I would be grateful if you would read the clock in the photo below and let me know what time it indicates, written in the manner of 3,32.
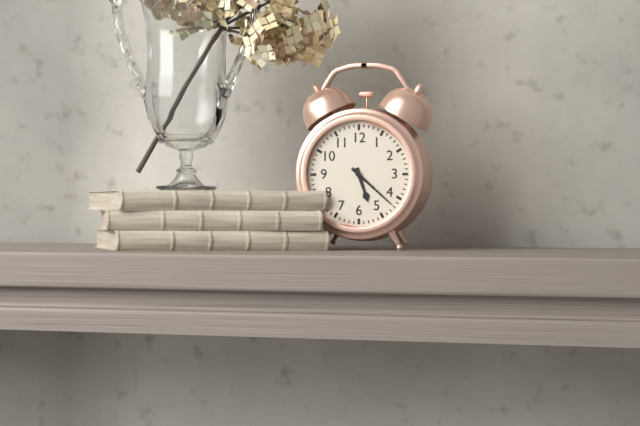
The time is 5,22
